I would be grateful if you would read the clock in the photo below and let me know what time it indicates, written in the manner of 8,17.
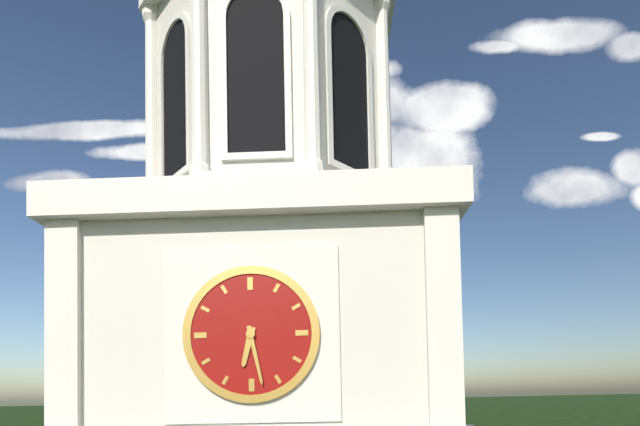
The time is 6,28
